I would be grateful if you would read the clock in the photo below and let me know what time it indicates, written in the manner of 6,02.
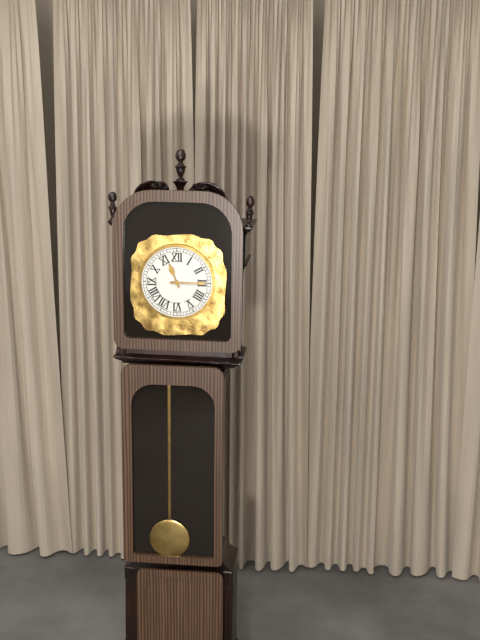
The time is 11,15
